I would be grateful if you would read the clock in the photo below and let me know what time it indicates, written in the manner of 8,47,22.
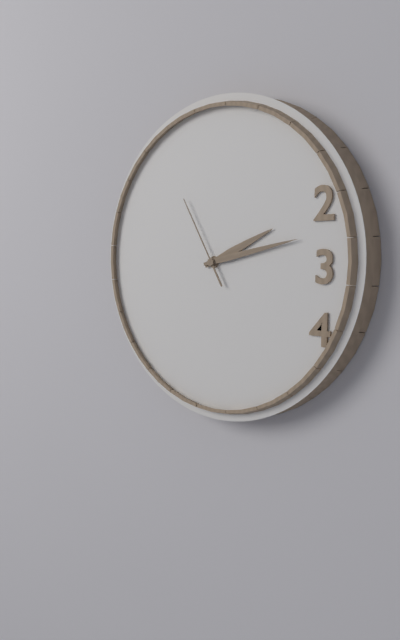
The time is 2,13,55
